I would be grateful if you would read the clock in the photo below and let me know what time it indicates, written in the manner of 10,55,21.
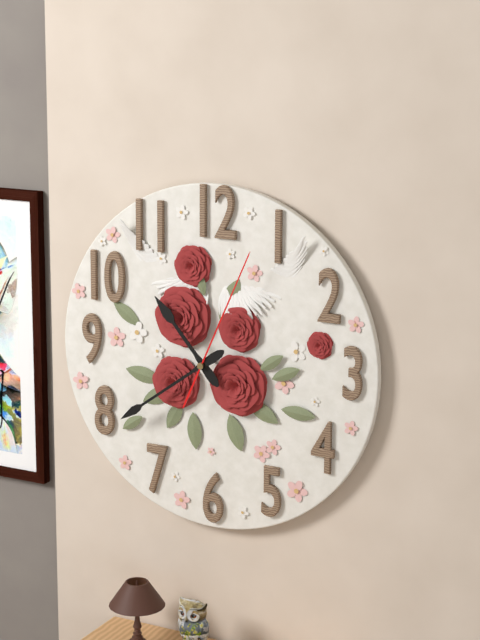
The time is 10,39,04
